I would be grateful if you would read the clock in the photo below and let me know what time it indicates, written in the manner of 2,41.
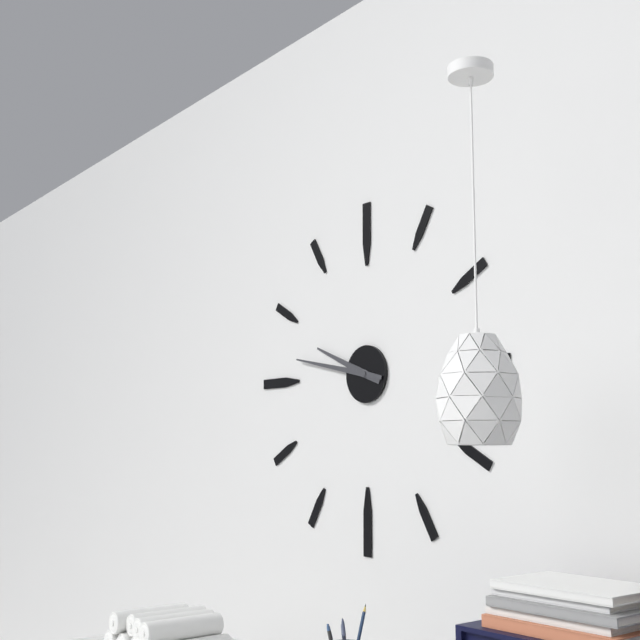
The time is 9,47
